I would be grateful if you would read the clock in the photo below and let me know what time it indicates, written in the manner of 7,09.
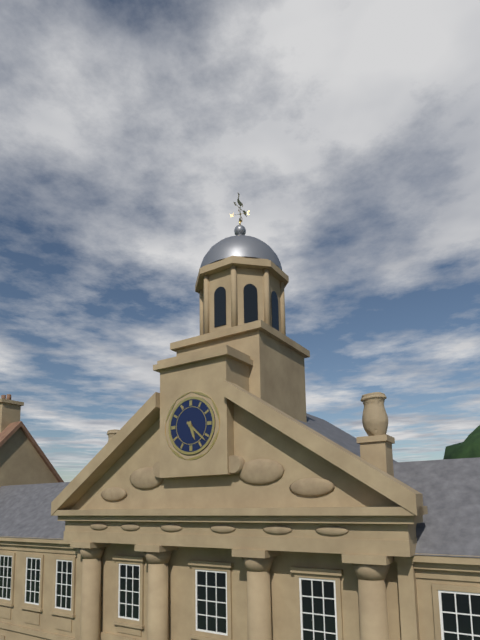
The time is 5,22
